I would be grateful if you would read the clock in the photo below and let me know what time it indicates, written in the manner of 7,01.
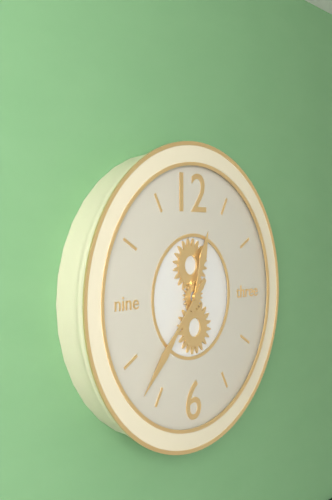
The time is 12,37
